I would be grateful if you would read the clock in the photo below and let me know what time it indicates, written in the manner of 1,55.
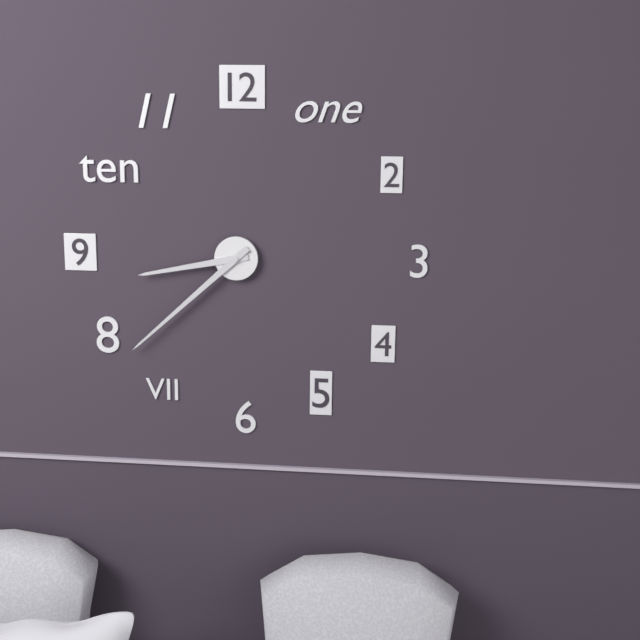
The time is 8,38
